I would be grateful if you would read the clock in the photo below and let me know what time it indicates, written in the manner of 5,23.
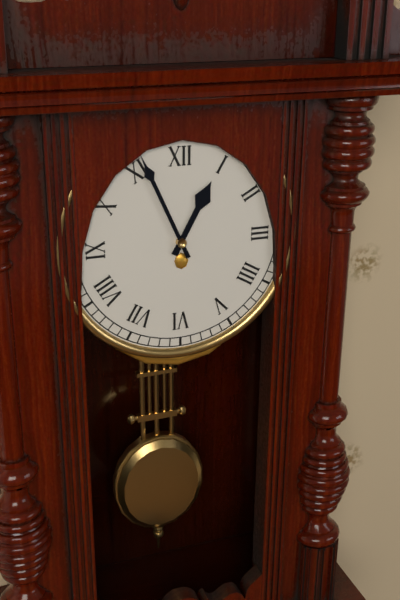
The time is 12,56
